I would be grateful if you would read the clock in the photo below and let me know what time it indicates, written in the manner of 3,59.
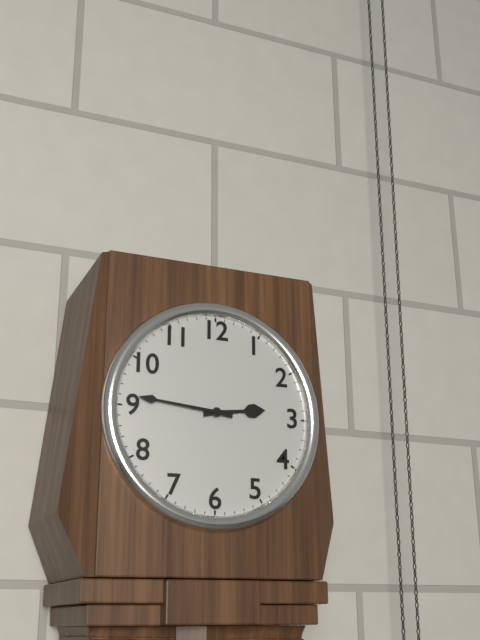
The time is 2,46
